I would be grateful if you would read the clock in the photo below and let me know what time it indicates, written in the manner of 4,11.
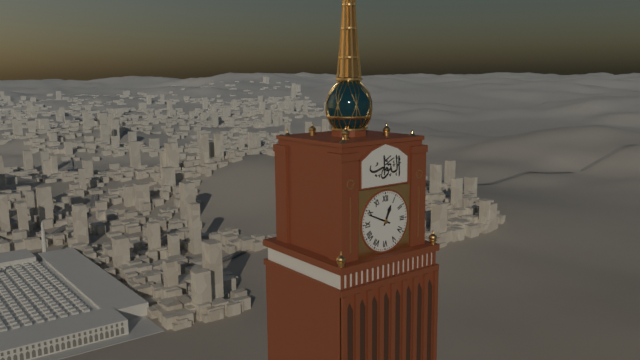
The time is 12,49
